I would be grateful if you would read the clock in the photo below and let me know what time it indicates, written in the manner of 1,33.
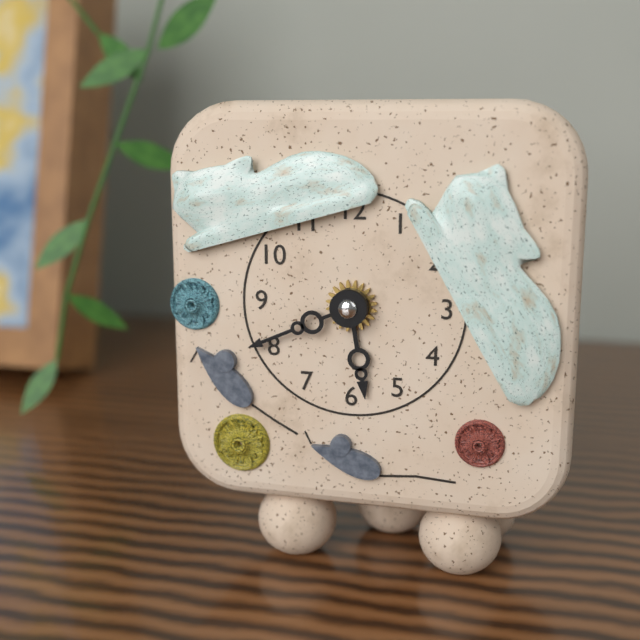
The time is 5,41
